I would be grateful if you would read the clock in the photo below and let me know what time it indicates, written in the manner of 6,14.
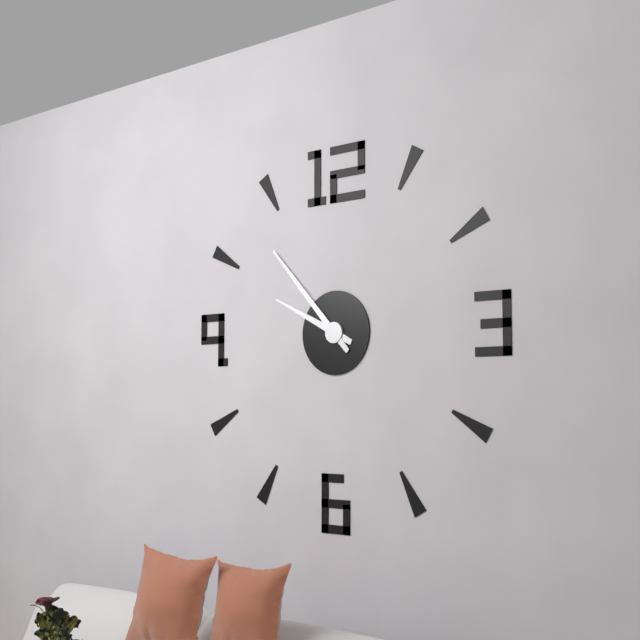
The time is 9,53
